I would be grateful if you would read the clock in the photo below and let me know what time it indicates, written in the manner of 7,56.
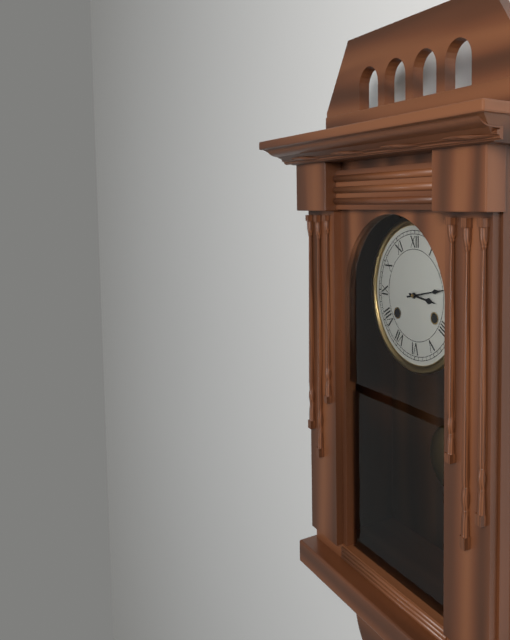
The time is 3,13
